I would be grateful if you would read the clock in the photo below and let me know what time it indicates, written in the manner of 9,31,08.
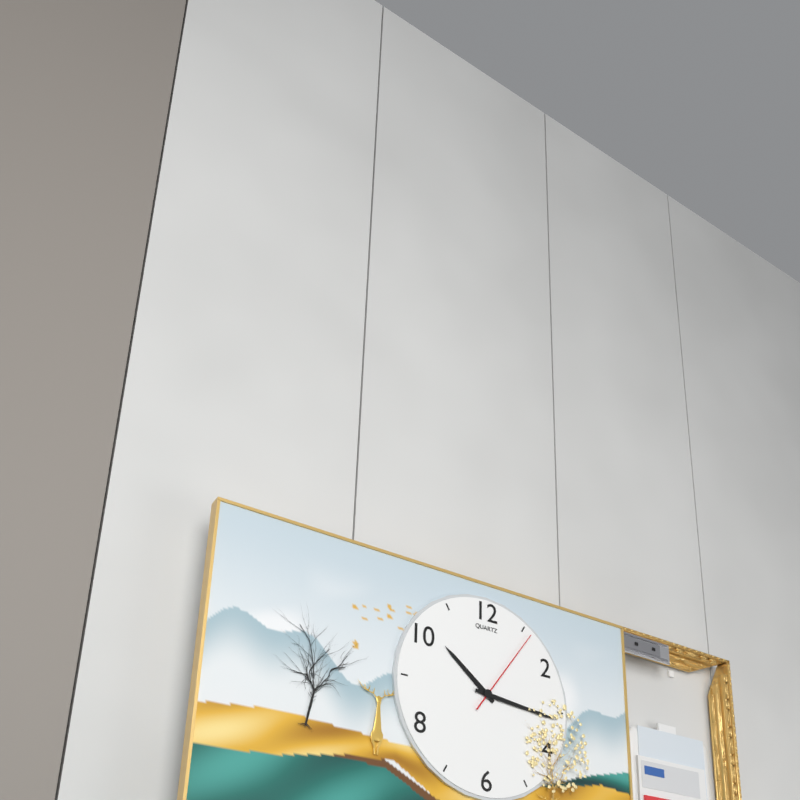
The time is 10,16,06
